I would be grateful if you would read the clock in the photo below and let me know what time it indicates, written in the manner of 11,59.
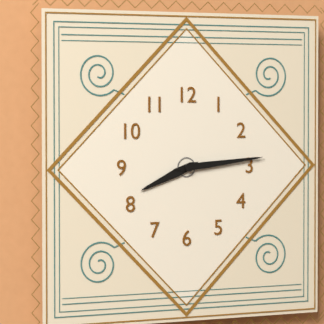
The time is 8,14
